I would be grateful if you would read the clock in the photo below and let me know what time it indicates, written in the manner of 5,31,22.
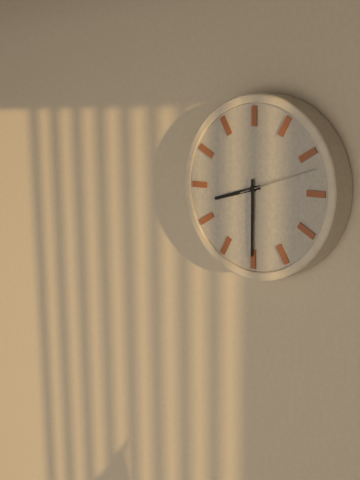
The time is 8,30,12
